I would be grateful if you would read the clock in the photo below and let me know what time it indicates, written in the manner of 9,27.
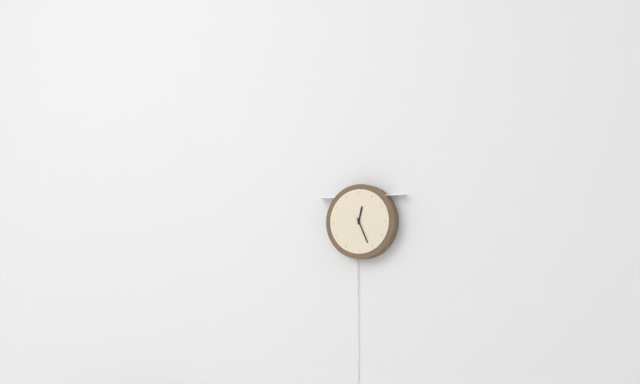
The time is 12,26
